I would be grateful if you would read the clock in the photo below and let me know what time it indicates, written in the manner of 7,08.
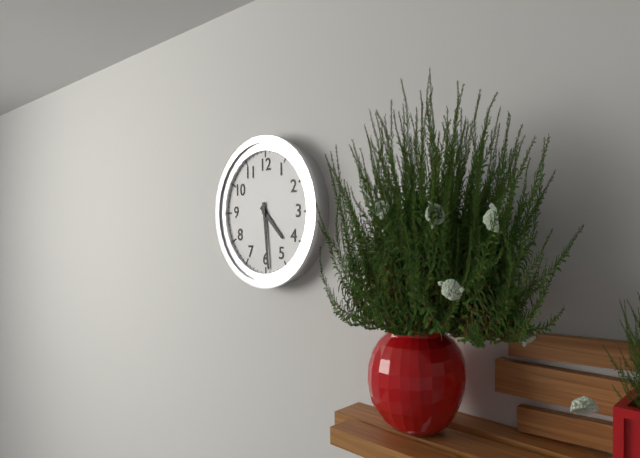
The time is 4,29
